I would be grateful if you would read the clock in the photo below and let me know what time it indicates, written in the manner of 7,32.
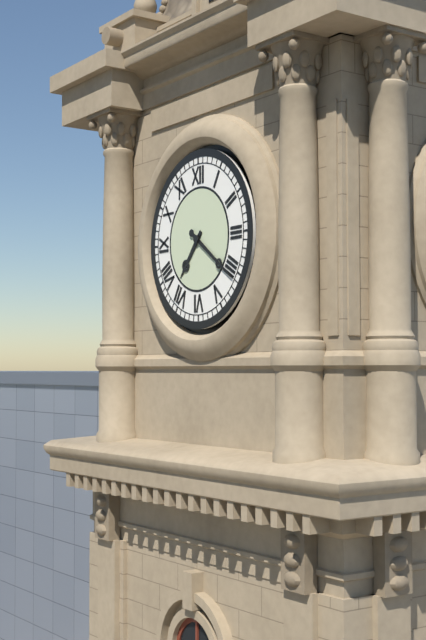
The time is 7,21
